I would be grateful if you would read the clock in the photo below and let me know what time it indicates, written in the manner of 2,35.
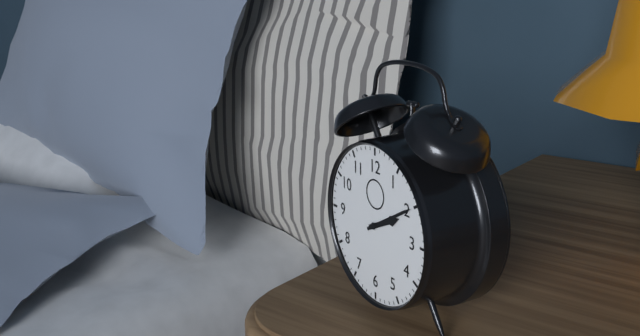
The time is 2,10
